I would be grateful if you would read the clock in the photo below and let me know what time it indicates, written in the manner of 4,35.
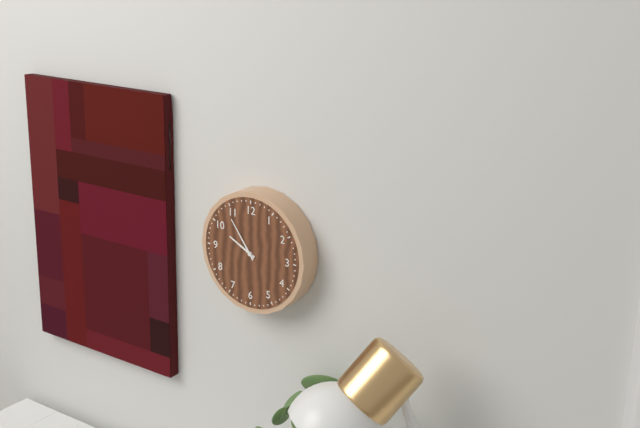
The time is 9,54
